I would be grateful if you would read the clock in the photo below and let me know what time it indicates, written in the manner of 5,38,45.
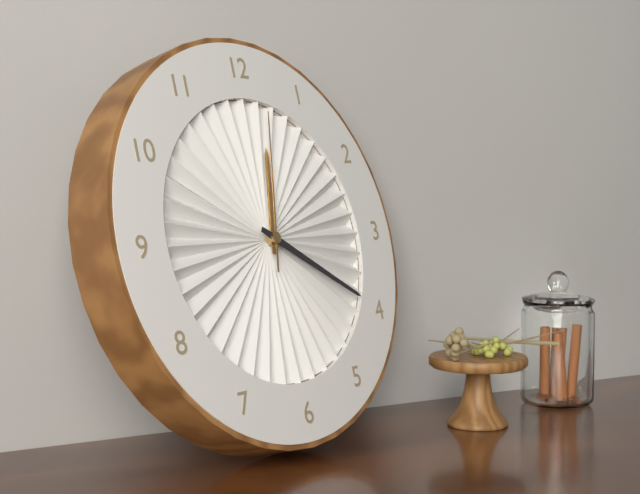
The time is 12,20,02
